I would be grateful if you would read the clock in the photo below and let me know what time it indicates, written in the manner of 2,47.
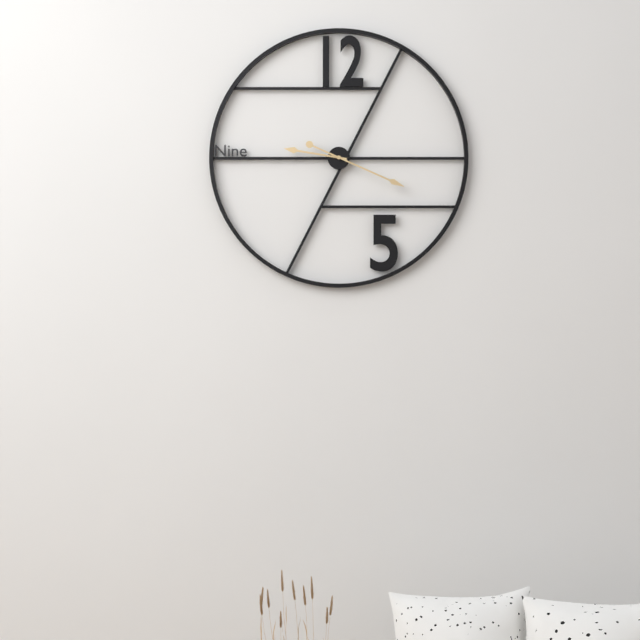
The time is 9,19
